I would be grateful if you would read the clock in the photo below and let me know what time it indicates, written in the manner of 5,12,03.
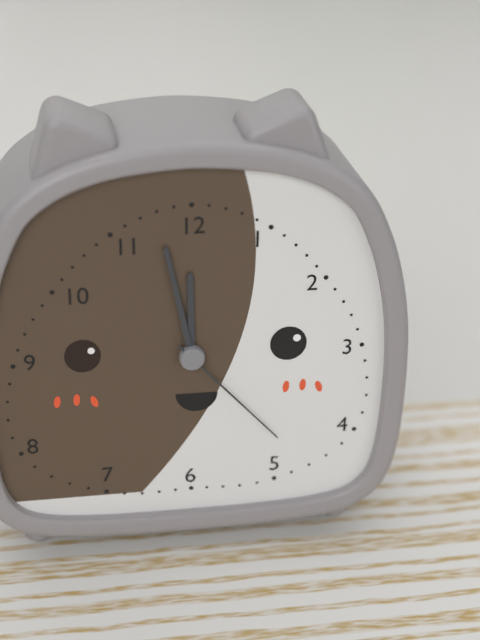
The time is 11,58,23
